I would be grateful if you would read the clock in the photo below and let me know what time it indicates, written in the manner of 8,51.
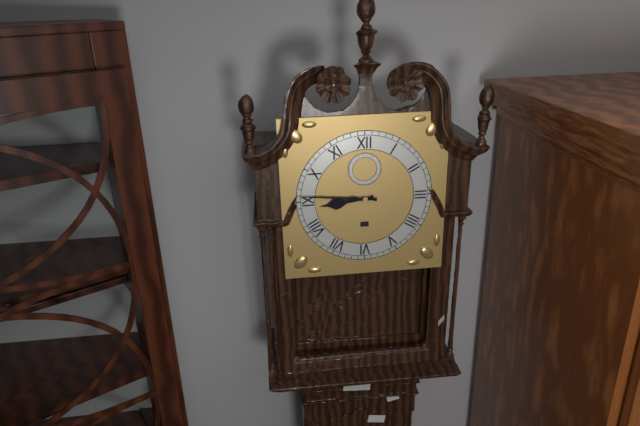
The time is 8,46
